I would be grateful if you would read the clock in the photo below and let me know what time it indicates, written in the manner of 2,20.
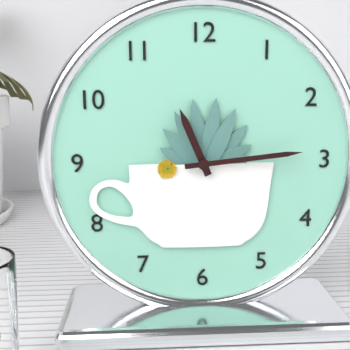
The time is 11,14
